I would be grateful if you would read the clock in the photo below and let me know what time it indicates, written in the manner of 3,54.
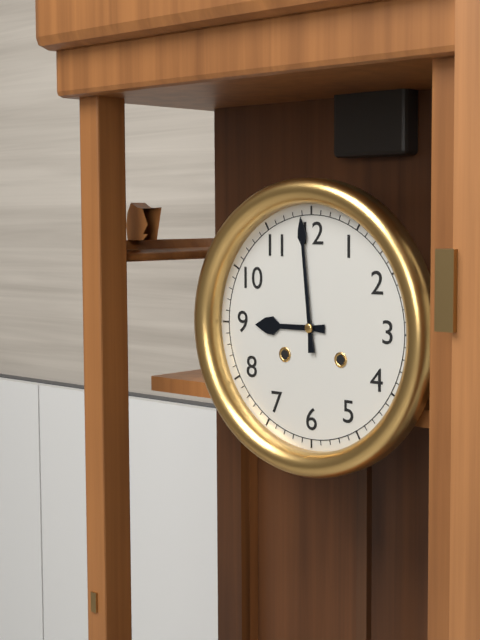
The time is 8,59
